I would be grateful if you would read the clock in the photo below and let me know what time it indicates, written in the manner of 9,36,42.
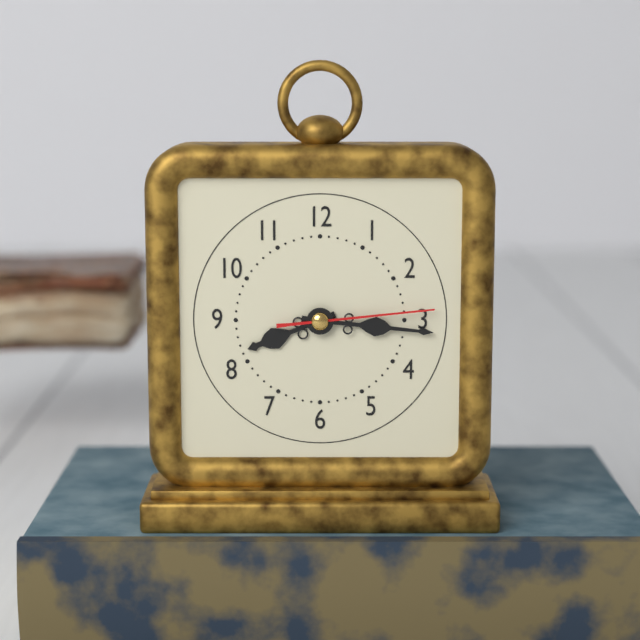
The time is 8,16,14
